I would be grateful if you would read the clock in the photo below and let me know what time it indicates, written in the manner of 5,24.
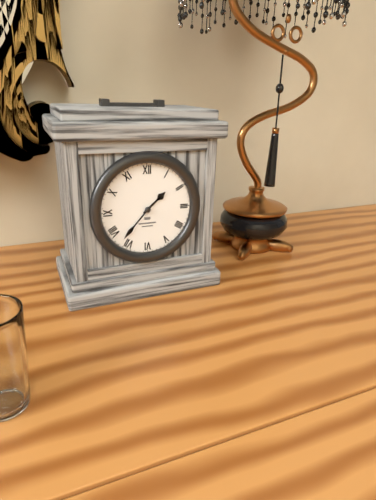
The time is 1,37
